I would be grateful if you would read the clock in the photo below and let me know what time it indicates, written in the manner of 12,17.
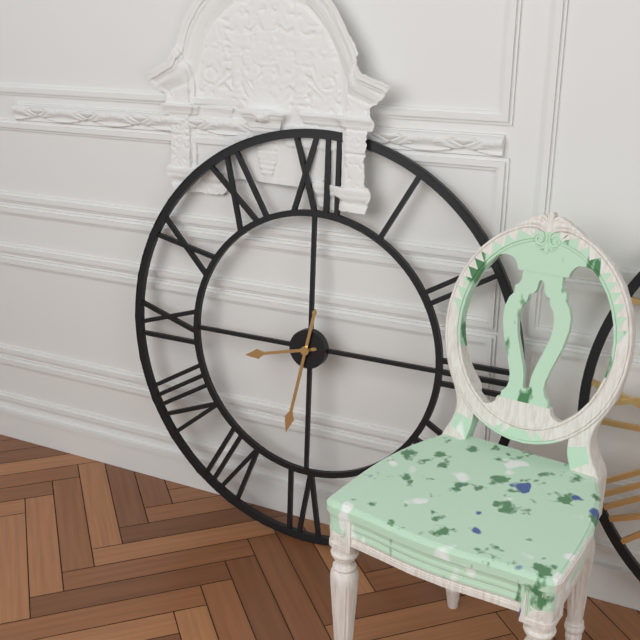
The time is 8,32
